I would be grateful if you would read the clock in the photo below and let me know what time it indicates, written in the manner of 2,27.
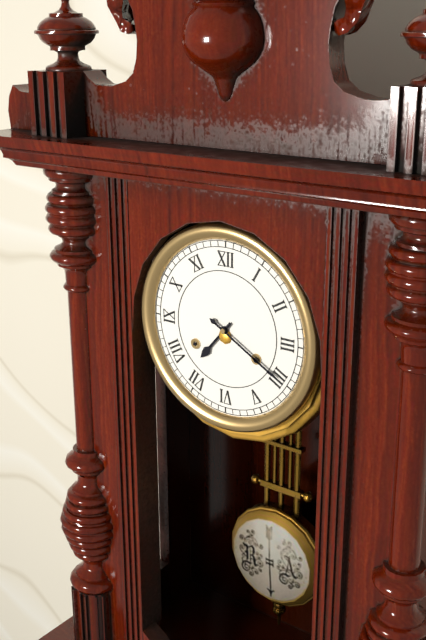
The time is 7,20
